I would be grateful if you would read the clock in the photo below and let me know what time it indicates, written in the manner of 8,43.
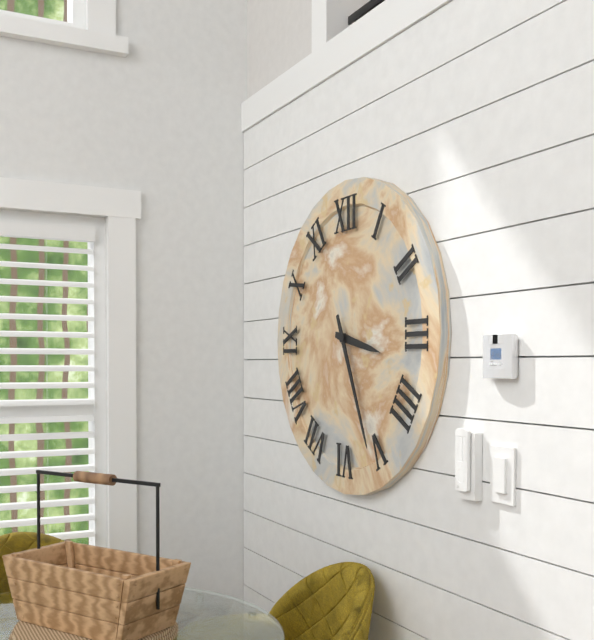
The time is 3,26
